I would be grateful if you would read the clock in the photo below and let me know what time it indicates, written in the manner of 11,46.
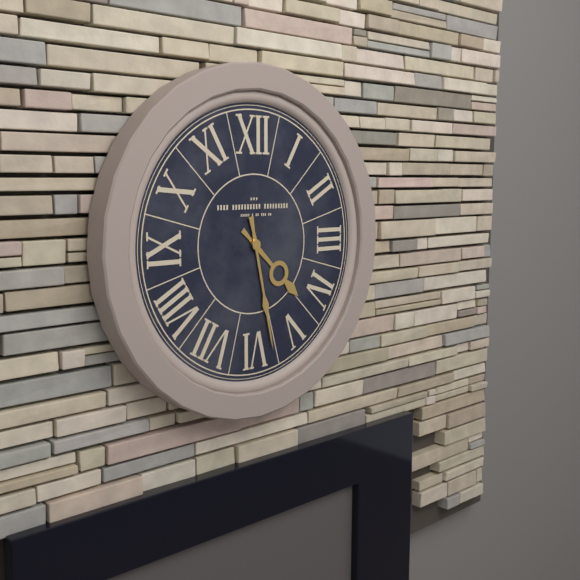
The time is 4,28
